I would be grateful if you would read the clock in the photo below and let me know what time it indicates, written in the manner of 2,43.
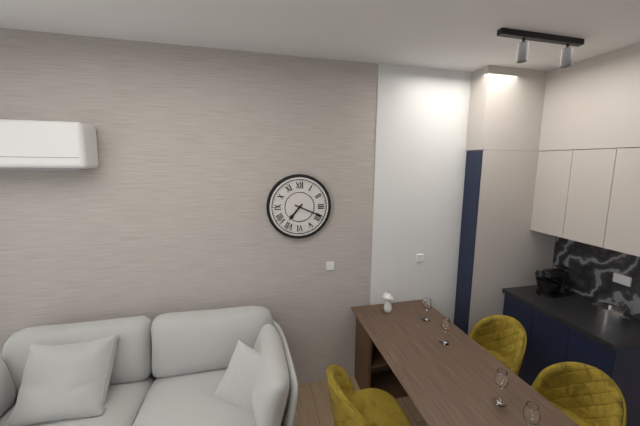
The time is 7,19
